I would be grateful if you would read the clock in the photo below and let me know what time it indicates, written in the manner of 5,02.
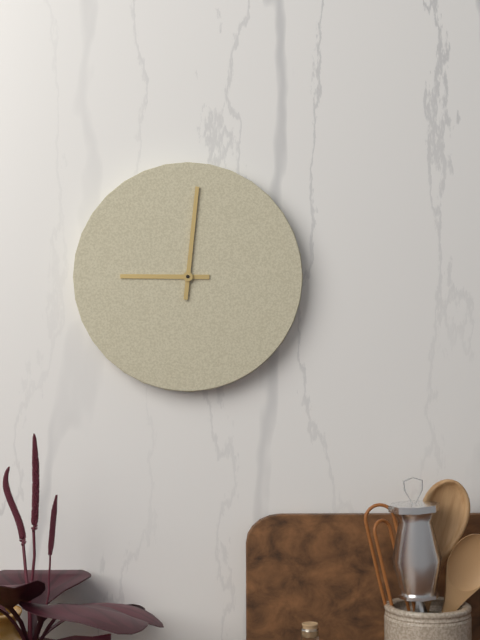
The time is 9,01
